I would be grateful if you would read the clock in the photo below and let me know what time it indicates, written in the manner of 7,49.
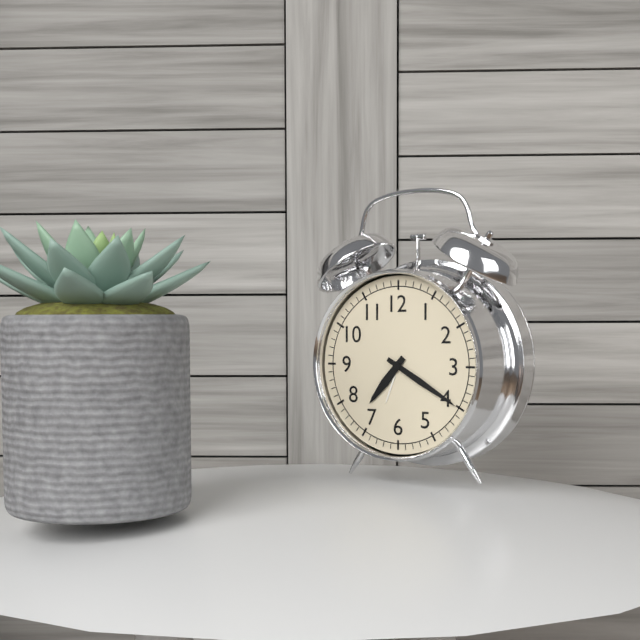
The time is 7,20
